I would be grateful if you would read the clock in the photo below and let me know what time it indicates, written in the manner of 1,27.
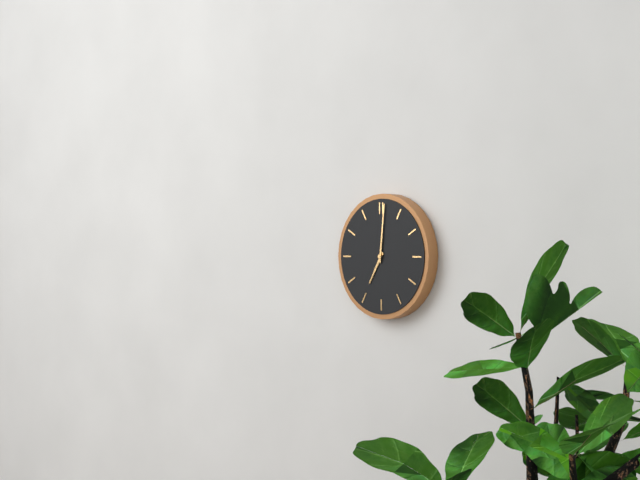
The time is 7,01
